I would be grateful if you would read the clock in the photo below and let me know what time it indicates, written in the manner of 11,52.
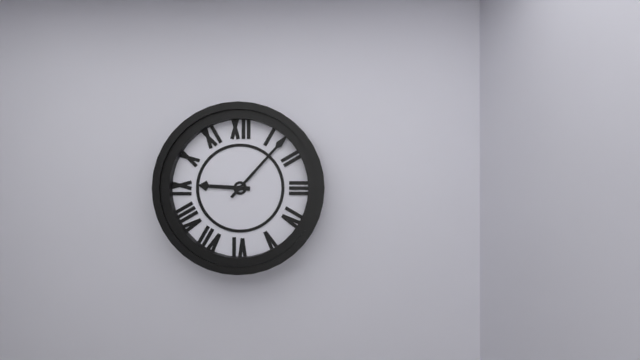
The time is 9,07
